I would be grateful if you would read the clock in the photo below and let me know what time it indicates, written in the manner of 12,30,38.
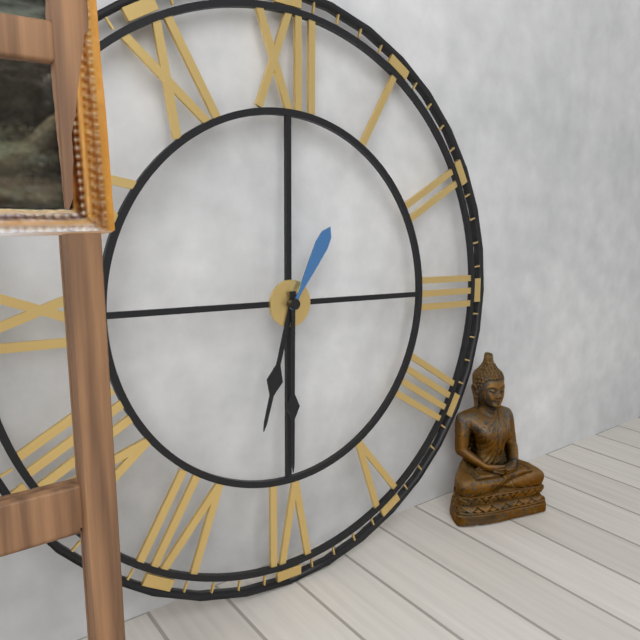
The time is 6,30,05
